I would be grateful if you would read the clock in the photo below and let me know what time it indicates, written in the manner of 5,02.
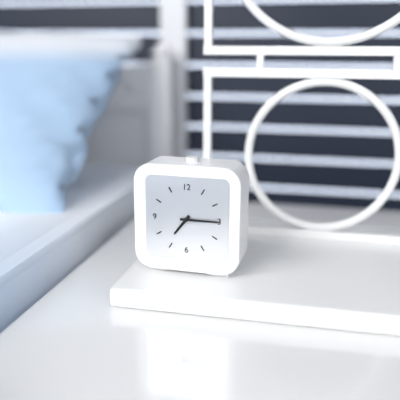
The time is 7,15
